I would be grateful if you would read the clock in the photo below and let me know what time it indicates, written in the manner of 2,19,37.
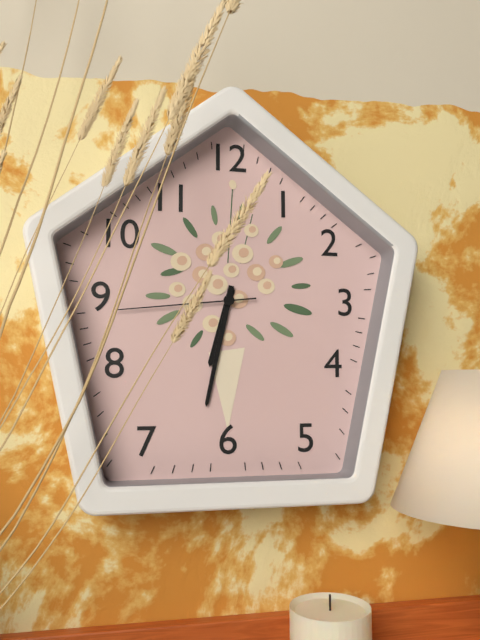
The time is 6,32,44
